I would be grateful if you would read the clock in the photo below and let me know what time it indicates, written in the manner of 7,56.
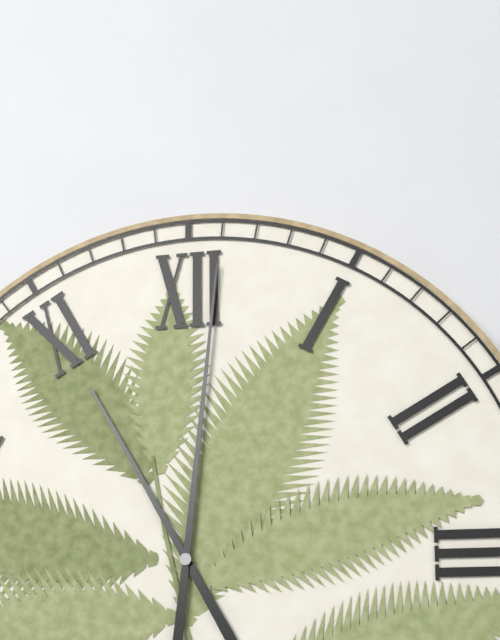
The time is 11,01
